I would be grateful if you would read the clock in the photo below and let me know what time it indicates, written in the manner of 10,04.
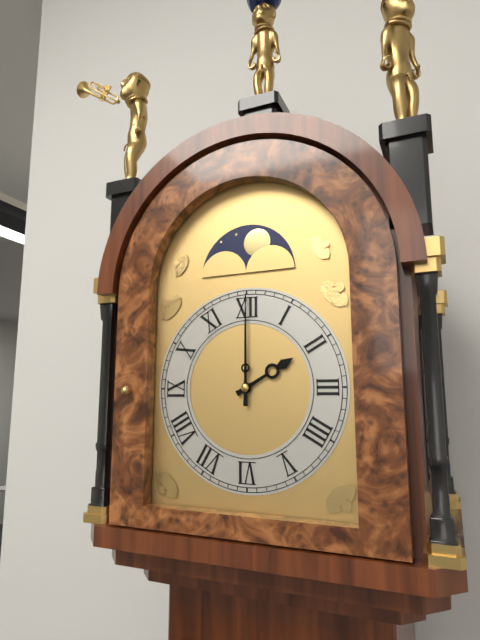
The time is 2,00
